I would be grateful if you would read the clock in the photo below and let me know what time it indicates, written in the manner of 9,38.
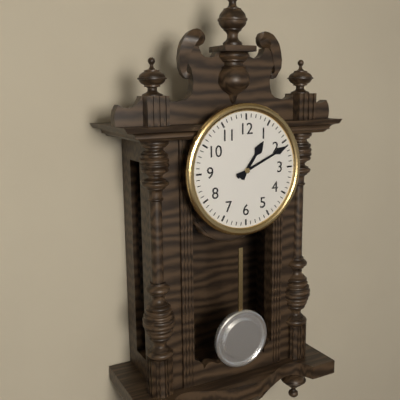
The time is 1,11
